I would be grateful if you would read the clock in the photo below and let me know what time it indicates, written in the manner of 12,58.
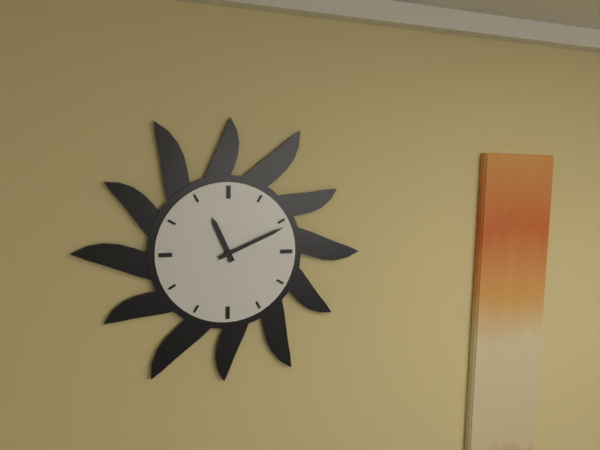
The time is 11,11
